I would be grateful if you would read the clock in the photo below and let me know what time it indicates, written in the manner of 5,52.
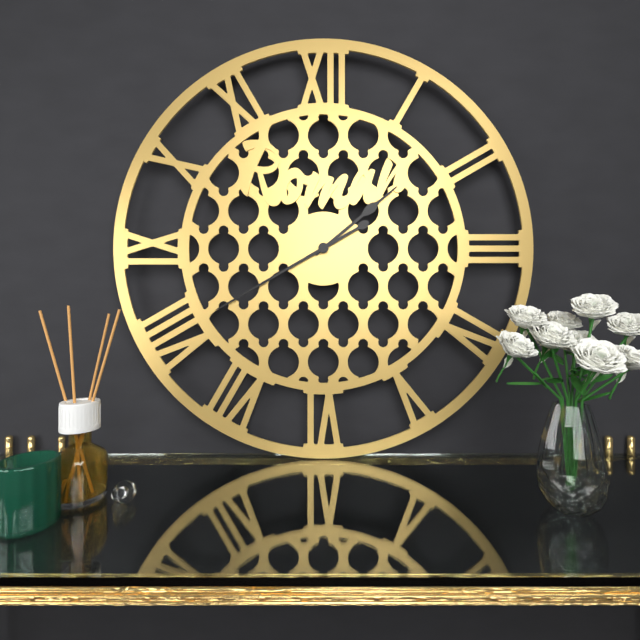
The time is 1,40
